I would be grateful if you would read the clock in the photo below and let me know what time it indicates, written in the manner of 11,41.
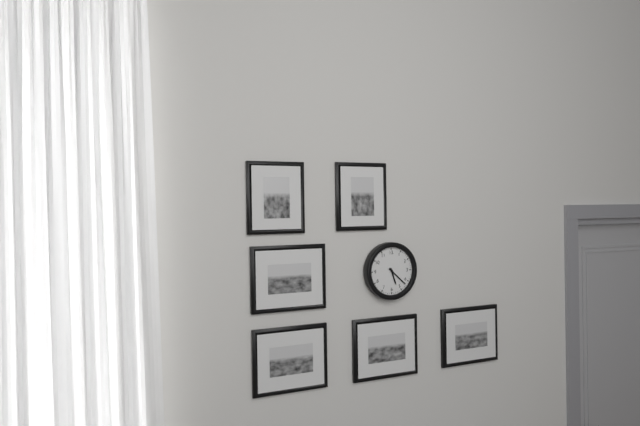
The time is 5,22
